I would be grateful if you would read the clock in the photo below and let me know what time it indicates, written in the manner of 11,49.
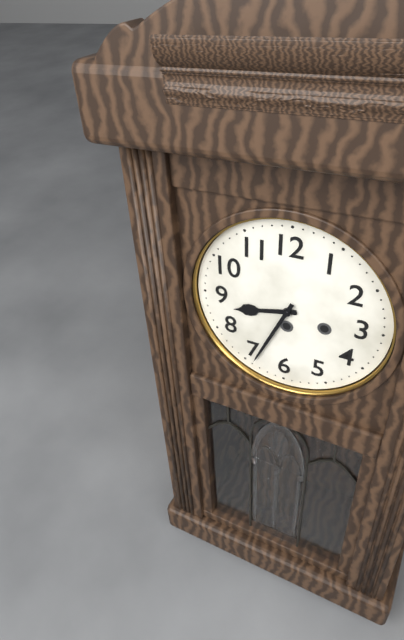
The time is 8,34
